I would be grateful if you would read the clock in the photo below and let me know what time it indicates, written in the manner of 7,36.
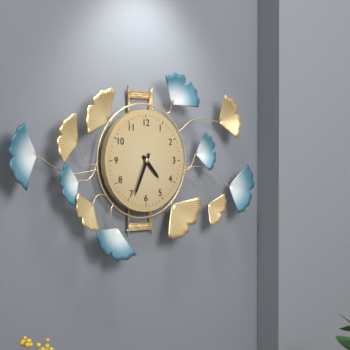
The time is 4,34
